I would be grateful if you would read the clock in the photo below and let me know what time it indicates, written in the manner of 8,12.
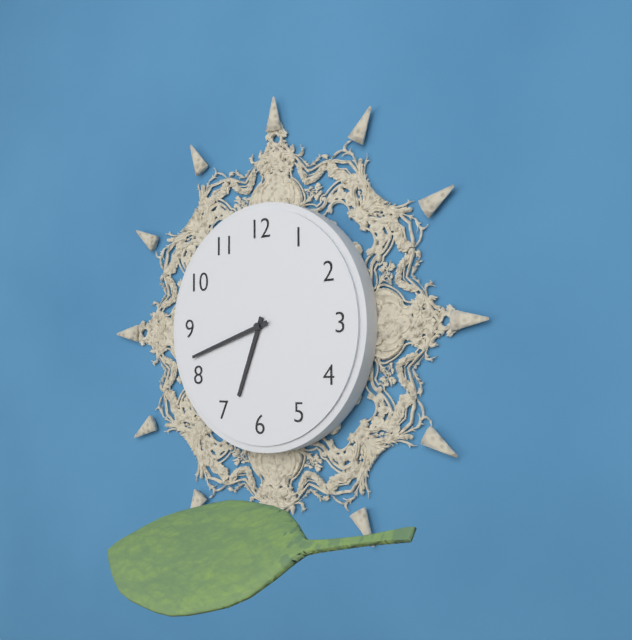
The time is 6,42
